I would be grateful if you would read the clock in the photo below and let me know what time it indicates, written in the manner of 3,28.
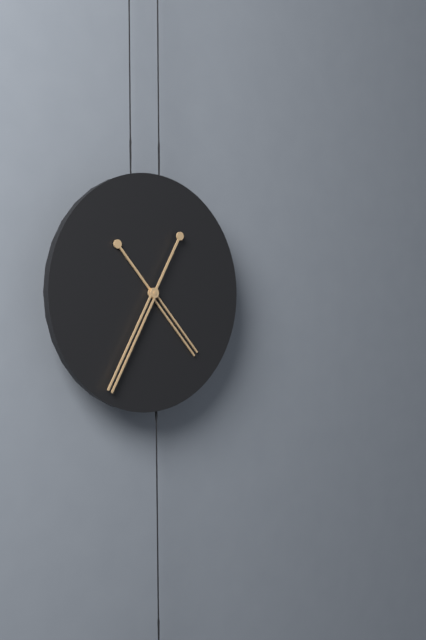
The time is 4,35
